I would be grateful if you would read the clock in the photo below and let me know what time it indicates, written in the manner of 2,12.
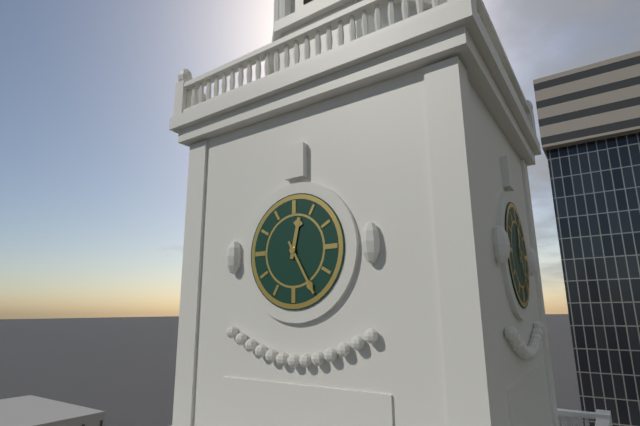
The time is 12,25
